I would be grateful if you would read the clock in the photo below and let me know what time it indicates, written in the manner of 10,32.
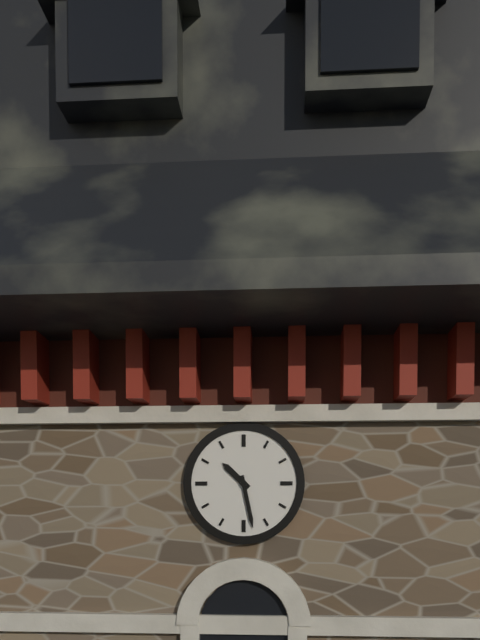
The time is 10,28
